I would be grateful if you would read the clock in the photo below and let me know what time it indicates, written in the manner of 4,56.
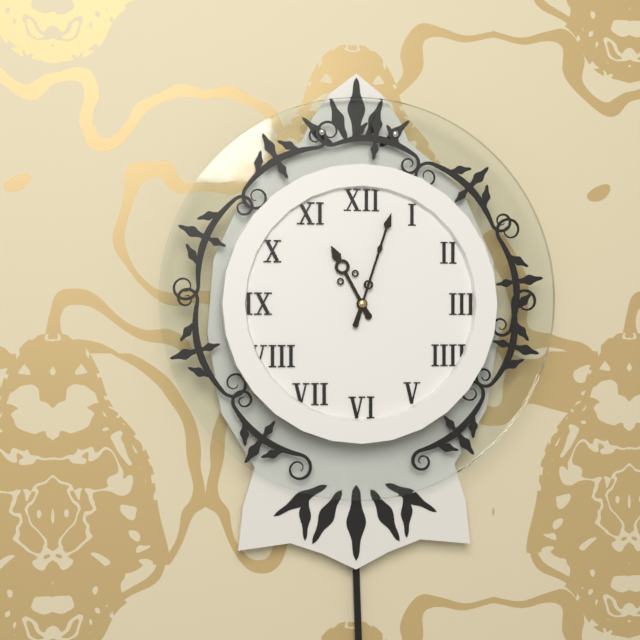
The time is 11,03
